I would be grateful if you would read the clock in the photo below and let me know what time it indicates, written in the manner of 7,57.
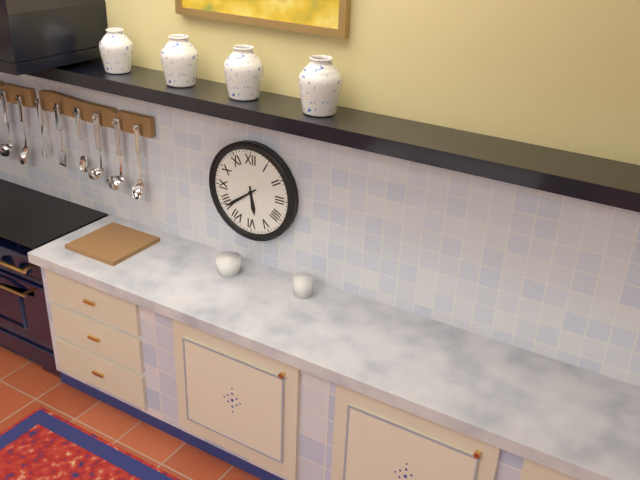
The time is 5,39
